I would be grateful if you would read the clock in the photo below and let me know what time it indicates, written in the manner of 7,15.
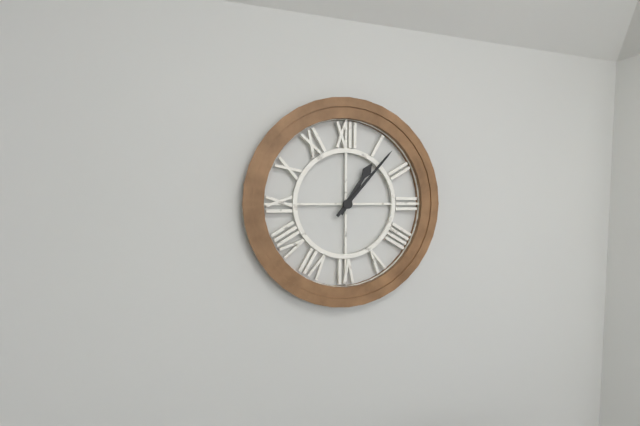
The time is 1,07
